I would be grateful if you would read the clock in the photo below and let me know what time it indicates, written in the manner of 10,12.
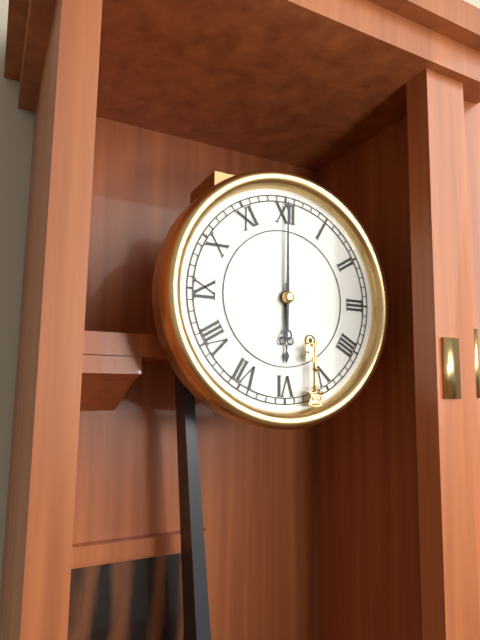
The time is 6,00
